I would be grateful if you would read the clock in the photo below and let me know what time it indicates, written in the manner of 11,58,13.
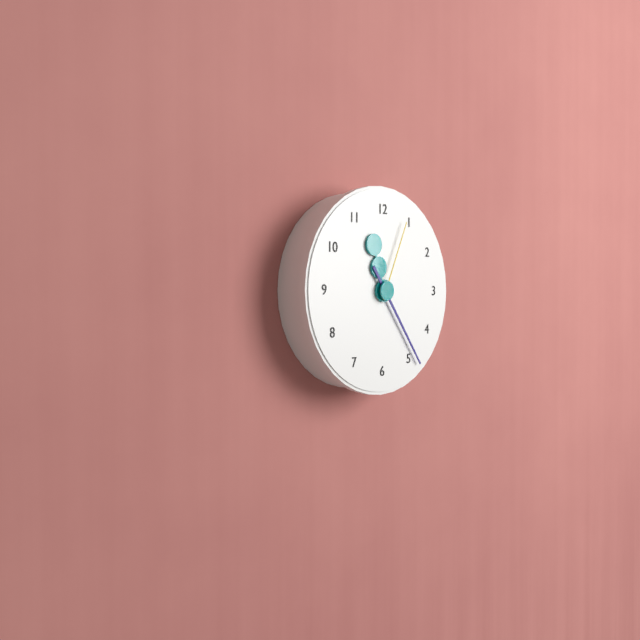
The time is 11,24,04
